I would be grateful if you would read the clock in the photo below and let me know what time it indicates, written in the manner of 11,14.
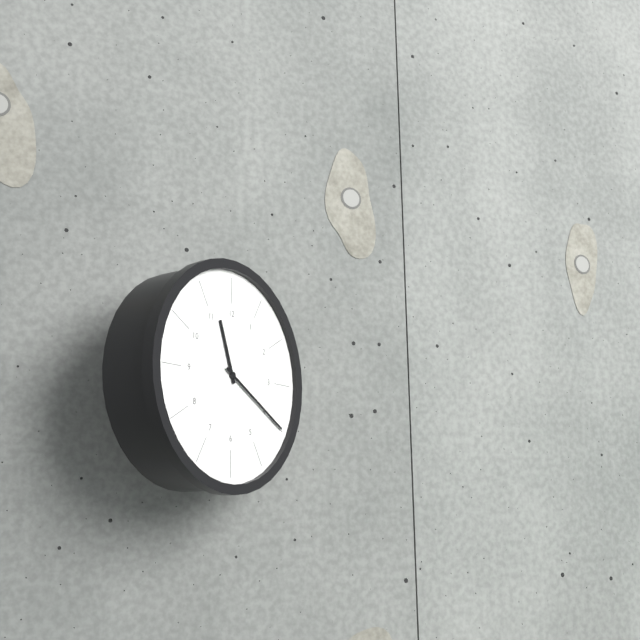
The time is 11,20
